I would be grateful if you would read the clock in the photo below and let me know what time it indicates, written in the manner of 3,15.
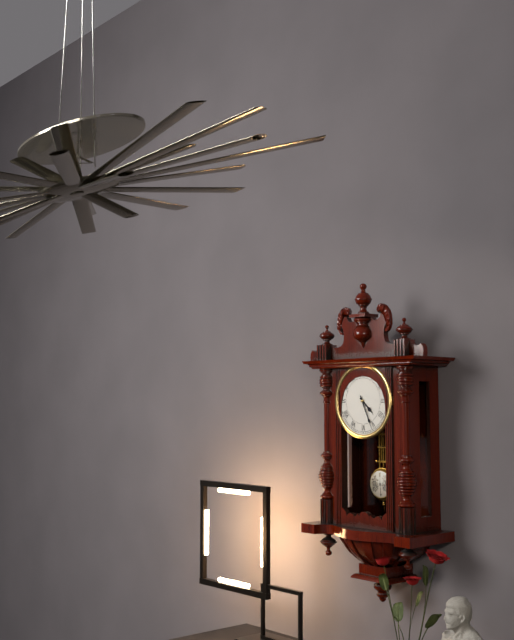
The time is 4,26
